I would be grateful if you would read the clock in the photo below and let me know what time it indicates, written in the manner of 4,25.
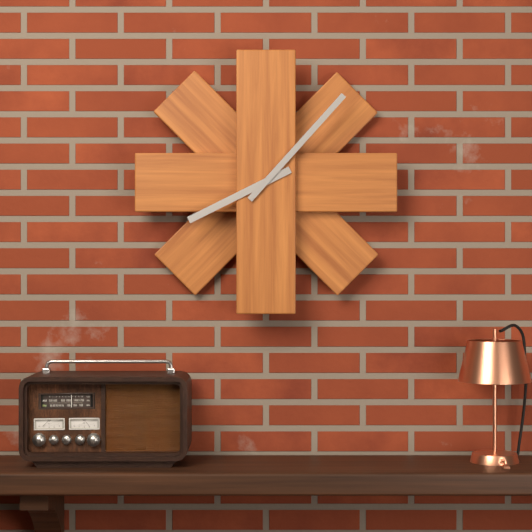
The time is 8,07
